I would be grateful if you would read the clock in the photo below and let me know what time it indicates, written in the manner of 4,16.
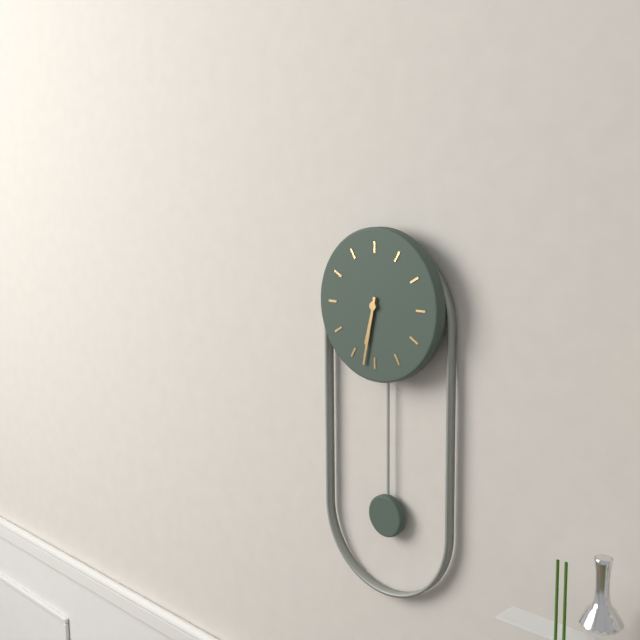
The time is 6,32
